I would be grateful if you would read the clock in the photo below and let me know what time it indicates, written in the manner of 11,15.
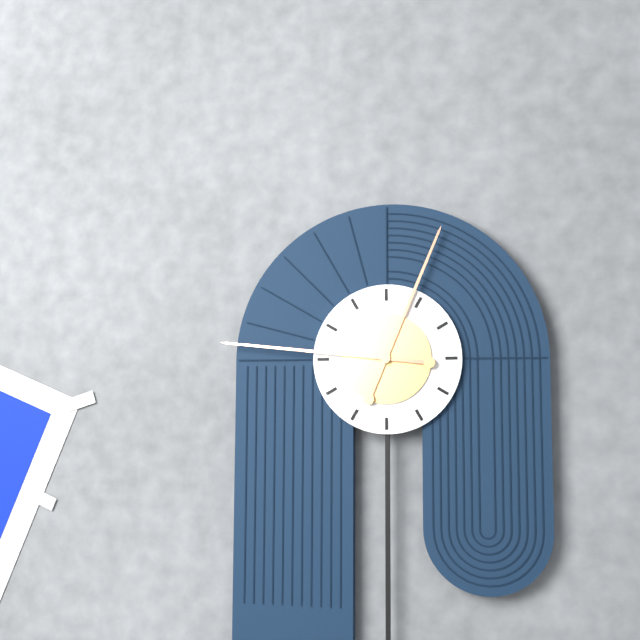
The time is 12,46
